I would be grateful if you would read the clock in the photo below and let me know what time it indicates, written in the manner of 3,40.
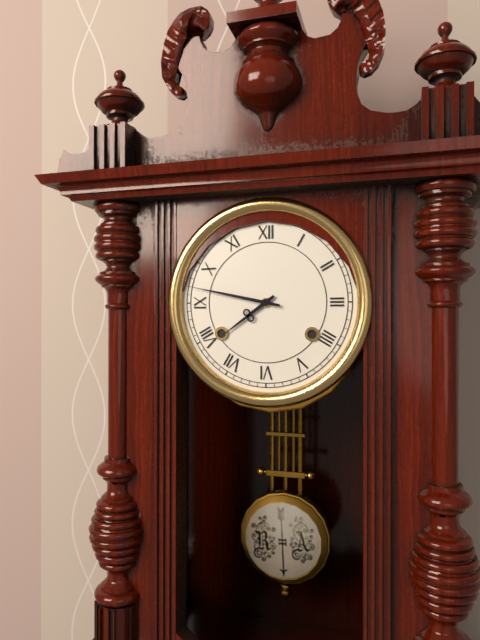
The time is 7,47
